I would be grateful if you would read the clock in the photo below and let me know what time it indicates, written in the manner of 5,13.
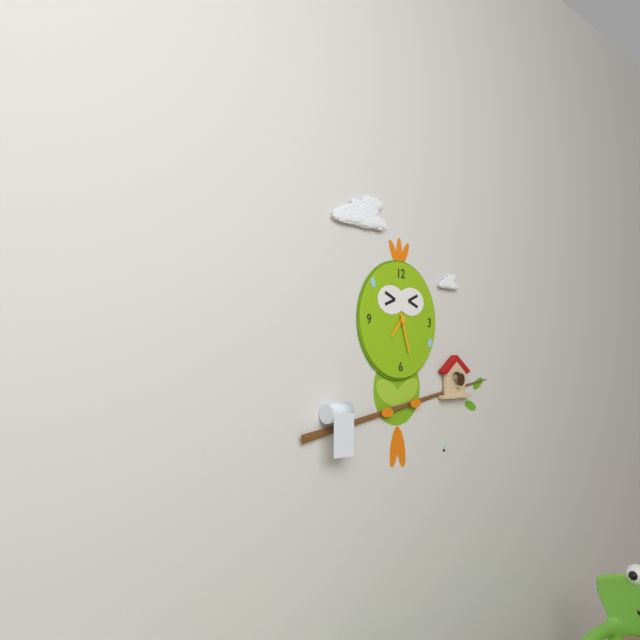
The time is 7,27
